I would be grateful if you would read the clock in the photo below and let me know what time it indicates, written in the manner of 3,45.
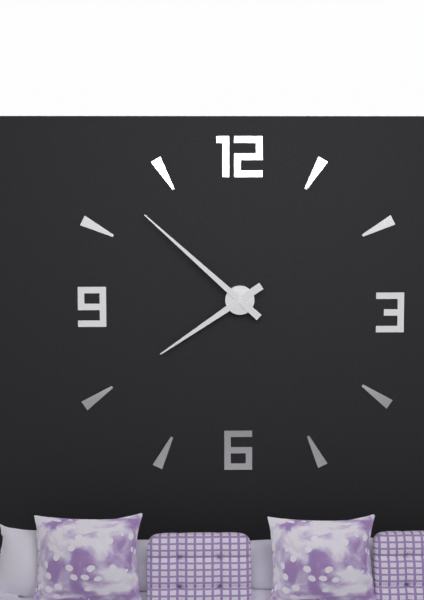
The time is 7,52
